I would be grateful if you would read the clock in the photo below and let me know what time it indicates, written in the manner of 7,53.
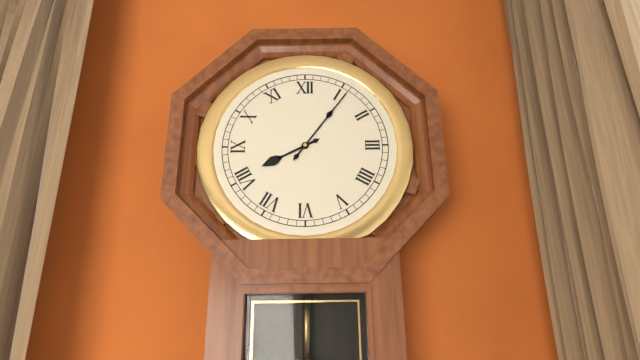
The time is 8,06
